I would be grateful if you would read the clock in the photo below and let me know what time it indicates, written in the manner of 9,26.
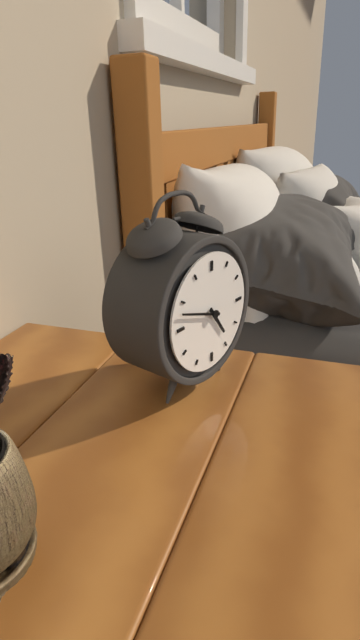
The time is 4,48
